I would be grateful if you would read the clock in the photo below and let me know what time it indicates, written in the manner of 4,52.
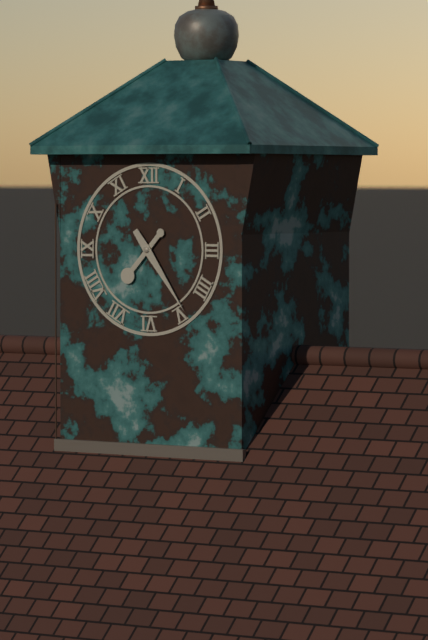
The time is 7,24
